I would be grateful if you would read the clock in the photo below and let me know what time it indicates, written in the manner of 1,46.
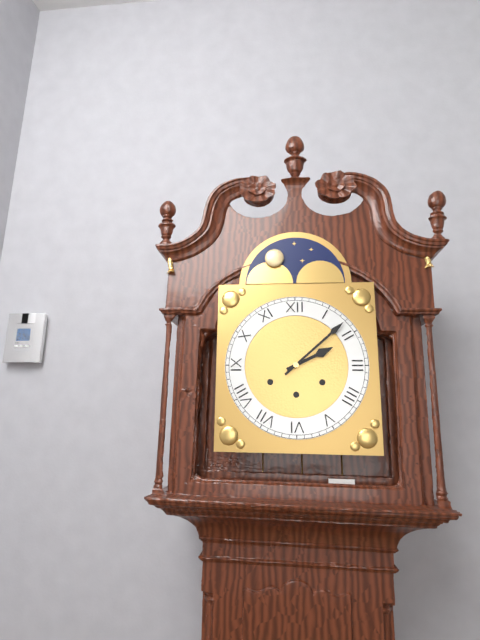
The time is 2,08
